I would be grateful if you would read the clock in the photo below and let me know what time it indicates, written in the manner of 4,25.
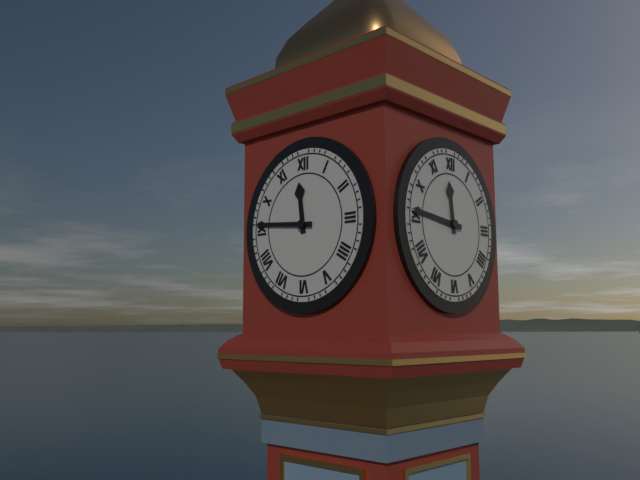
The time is 11,46
